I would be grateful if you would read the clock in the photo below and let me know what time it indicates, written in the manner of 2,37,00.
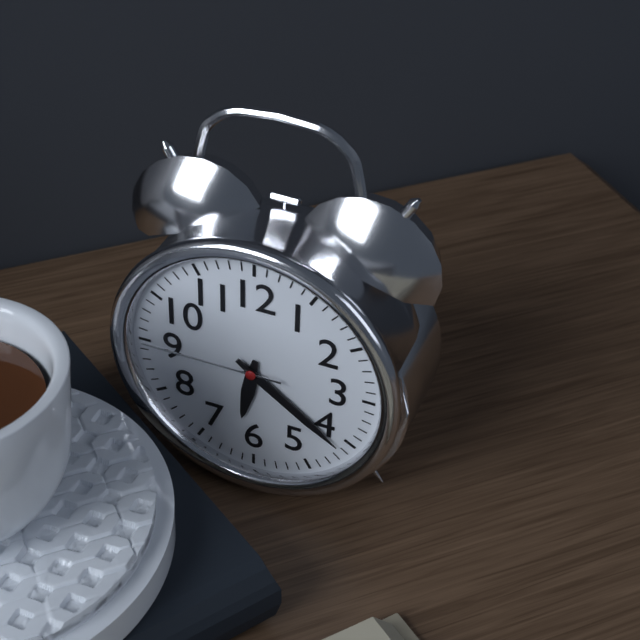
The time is 6,21,45
